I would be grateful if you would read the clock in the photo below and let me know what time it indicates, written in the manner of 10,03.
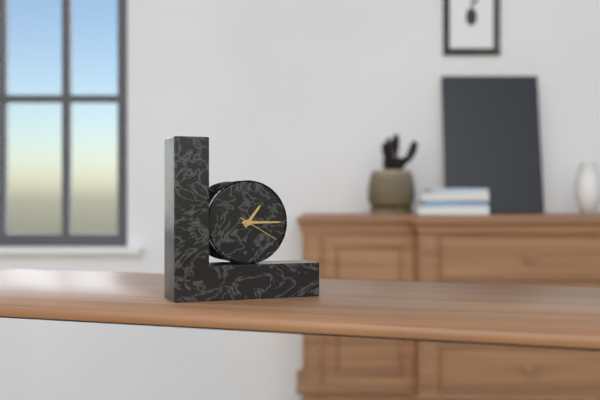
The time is 1,15
